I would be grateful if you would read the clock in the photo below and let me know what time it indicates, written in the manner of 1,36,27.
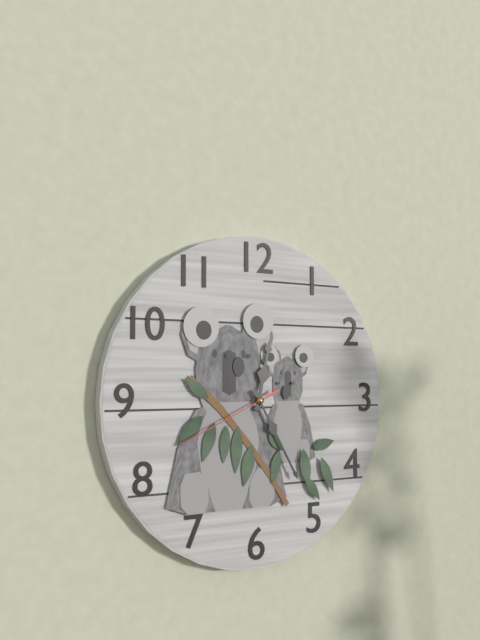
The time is 12,25,41
